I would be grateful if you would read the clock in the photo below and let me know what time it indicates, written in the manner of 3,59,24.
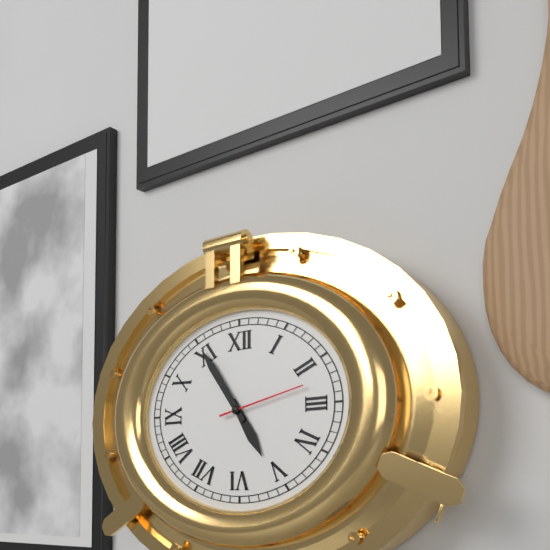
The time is 4,54,13
